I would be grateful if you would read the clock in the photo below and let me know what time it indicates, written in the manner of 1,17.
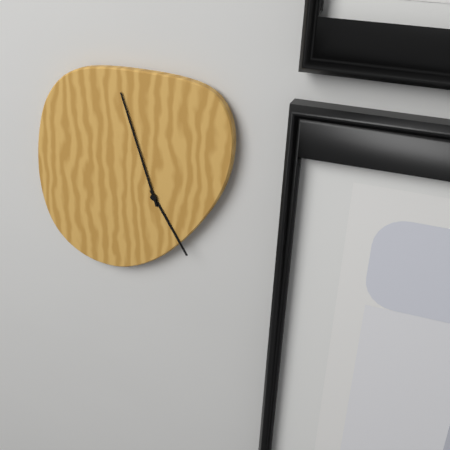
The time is 4,57
